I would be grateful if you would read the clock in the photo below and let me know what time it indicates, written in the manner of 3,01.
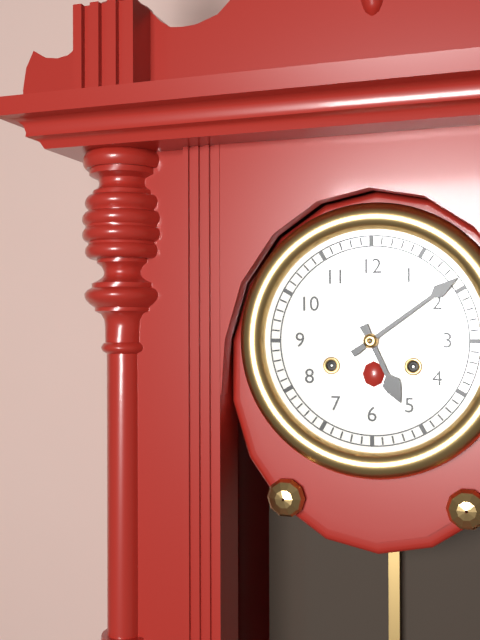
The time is 5,09
